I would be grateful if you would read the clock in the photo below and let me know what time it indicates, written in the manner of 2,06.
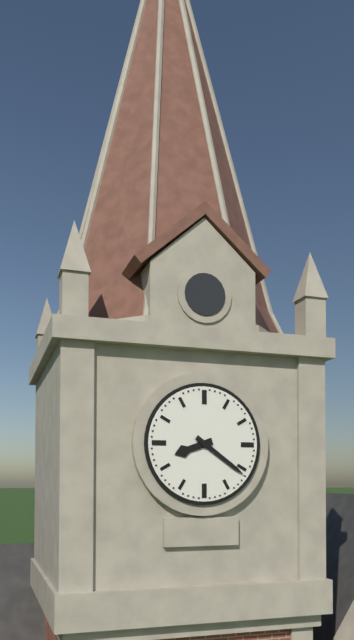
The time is 8,21
